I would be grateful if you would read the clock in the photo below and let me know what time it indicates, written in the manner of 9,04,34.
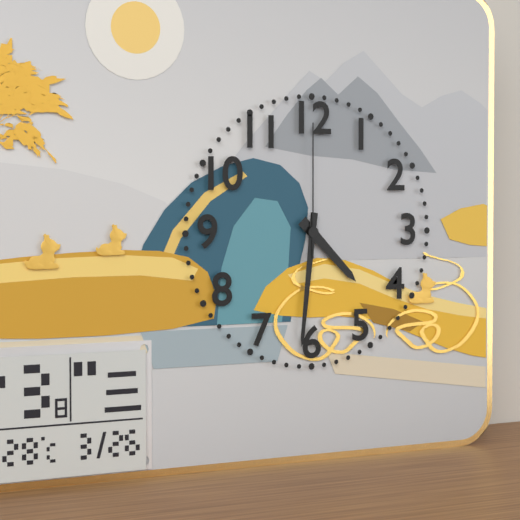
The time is 4,31,00
